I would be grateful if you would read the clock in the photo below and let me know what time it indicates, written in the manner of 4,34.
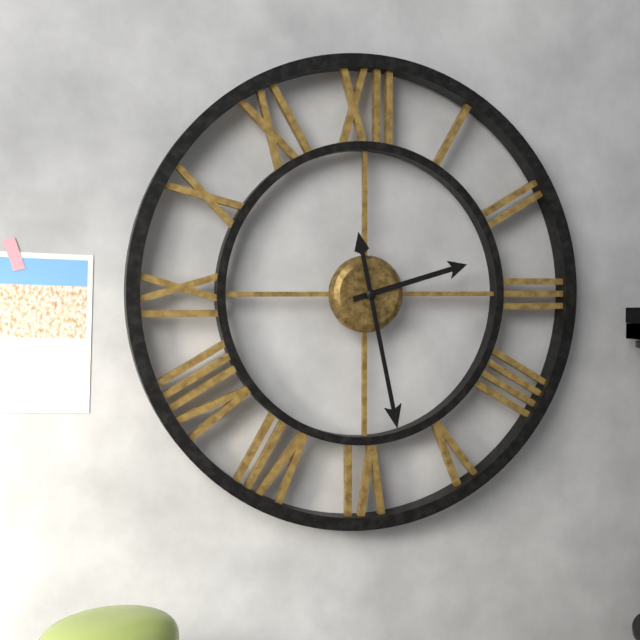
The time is 2,28
